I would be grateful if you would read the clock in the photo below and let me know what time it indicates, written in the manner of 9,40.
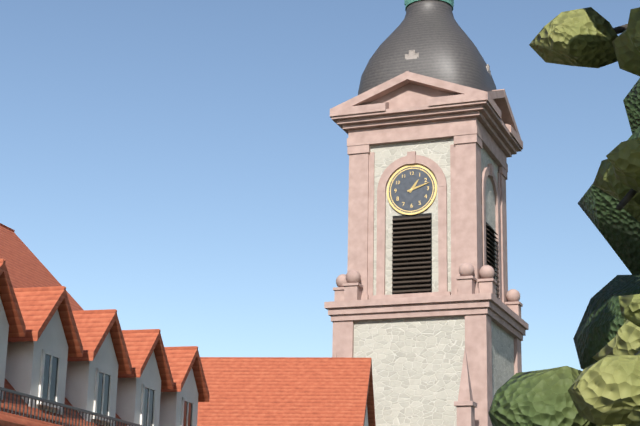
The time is 1,12
